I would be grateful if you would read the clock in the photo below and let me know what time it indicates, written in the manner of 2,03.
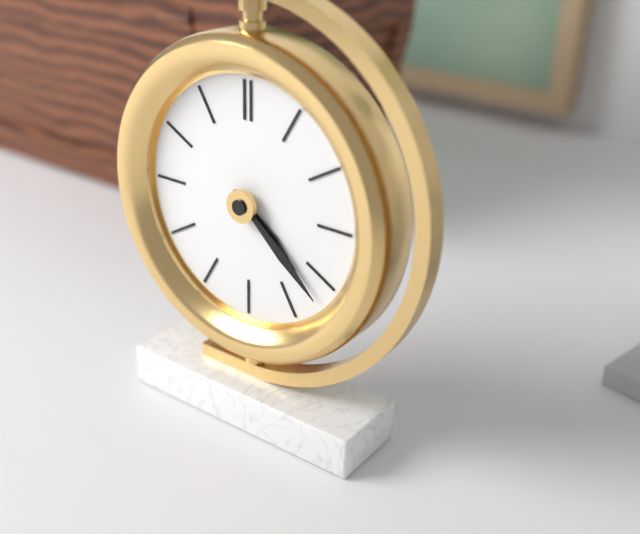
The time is 4,22
